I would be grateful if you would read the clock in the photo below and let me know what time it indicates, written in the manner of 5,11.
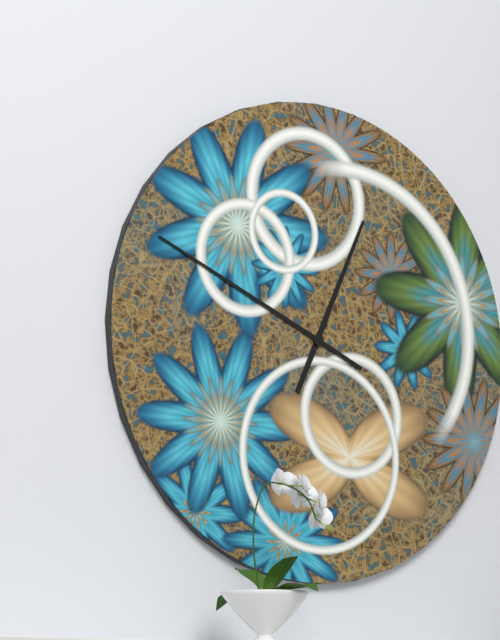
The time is 12,49
